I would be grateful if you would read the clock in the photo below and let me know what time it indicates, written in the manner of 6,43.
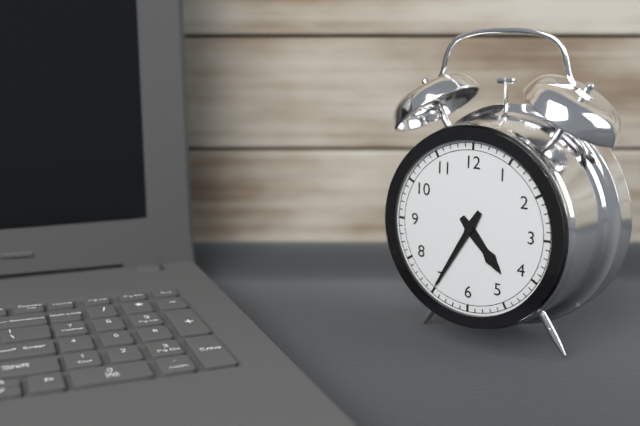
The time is 4,35
